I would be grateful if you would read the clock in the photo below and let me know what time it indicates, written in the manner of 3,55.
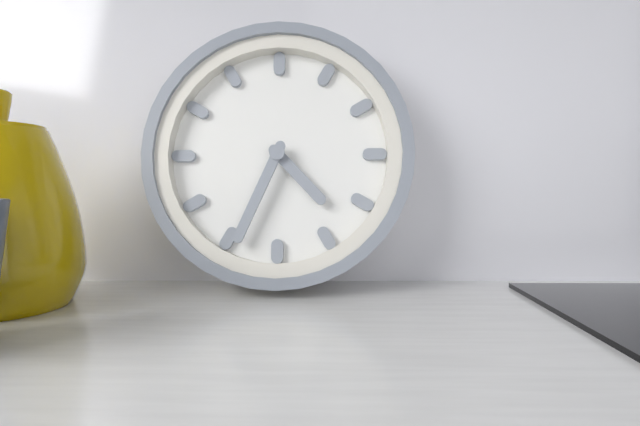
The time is 4,34
